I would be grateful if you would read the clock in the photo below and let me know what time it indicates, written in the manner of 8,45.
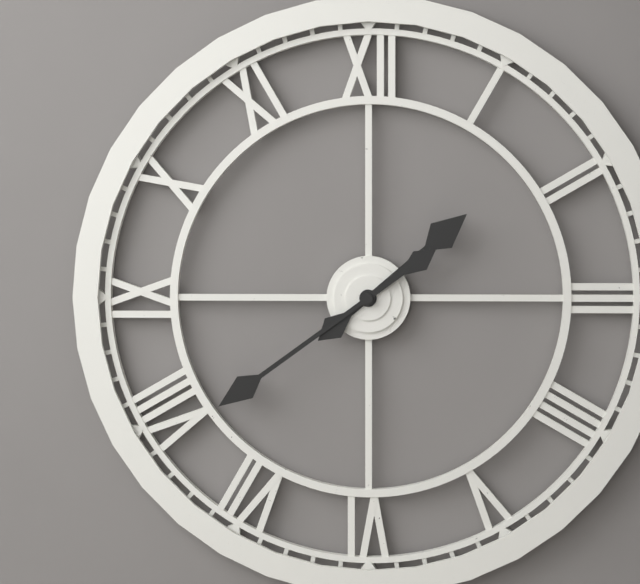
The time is 1,39
